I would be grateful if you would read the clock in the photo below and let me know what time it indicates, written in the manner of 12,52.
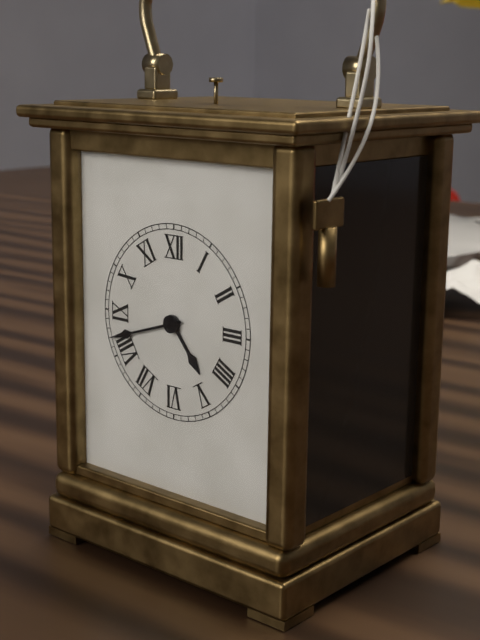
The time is 4,42
